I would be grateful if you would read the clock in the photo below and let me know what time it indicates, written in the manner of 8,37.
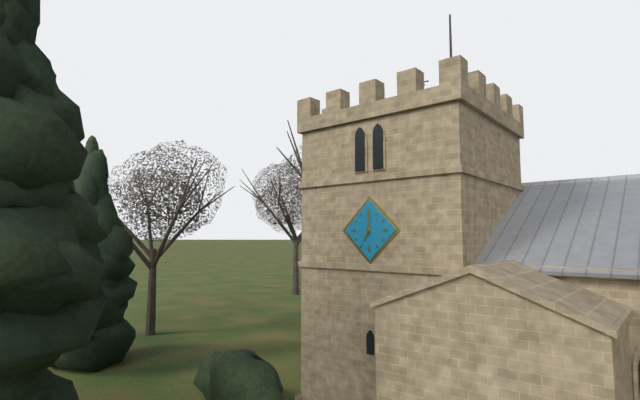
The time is 7,00
